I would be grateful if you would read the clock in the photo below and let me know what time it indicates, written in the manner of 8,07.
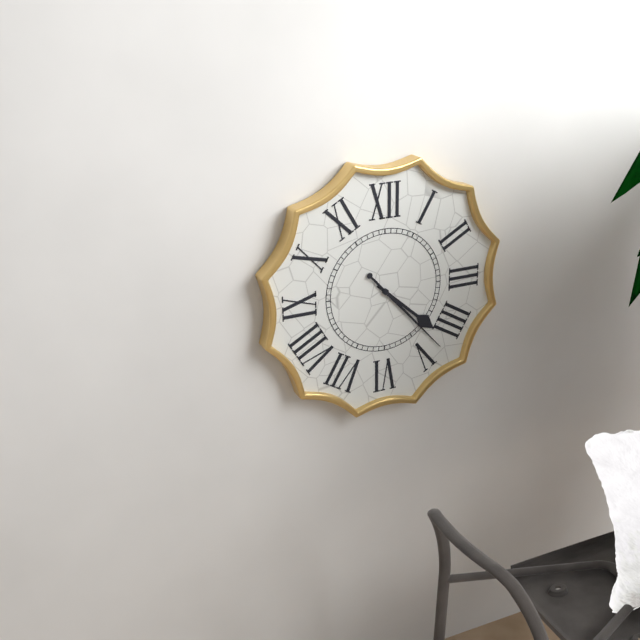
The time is 4,23
